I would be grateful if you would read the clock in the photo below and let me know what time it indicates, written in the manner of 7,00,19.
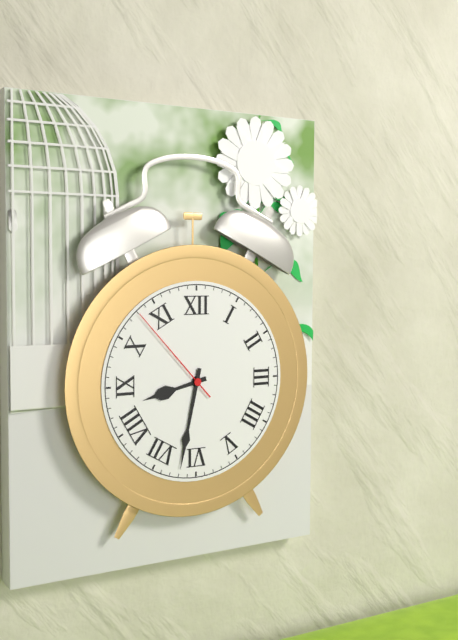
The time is 8,32,53
